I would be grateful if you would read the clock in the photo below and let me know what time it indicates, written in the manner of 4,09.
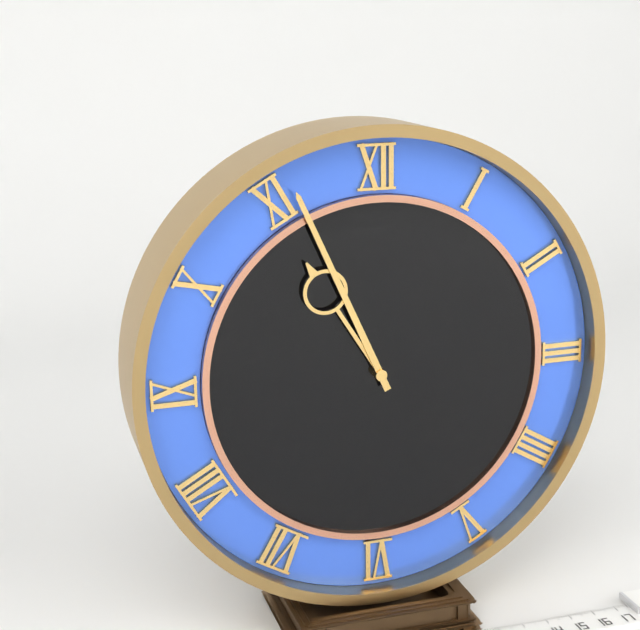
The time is 10,56
